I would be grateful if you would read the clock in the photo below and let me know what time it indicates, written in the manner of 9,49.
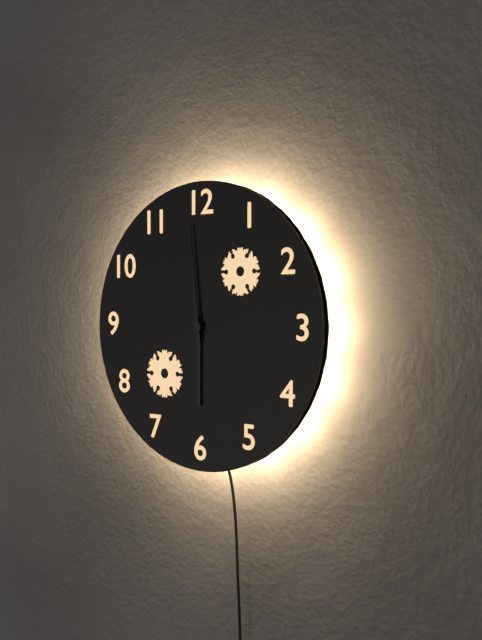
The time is 5,59
